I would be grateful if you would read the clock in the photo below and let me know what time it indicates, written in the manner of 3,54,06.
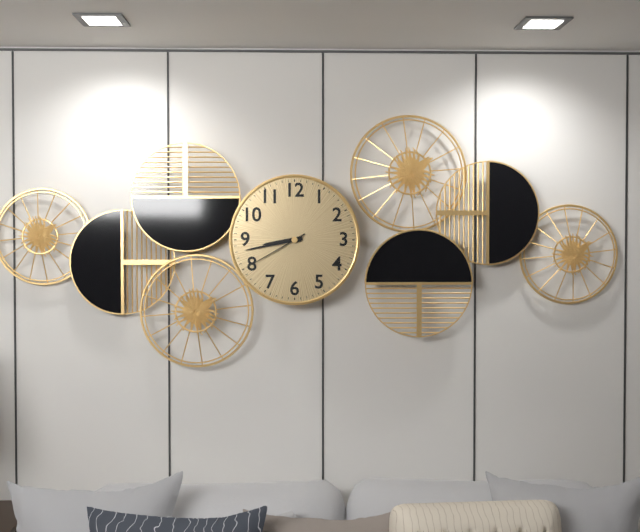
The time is 8,43,40
